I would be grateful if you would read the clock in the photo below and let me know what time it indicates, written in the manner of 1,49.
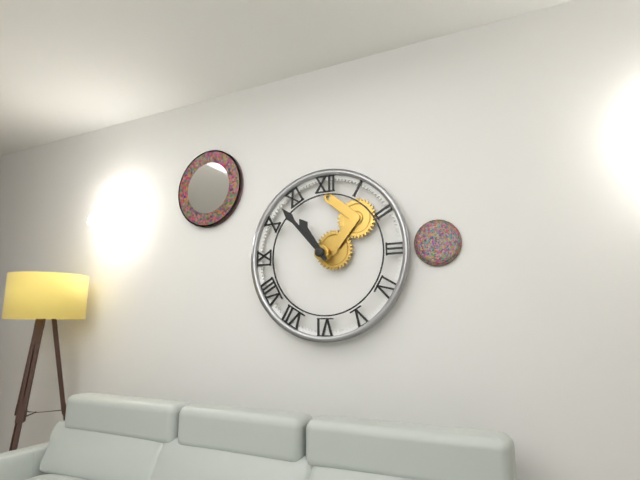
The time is 10,53
